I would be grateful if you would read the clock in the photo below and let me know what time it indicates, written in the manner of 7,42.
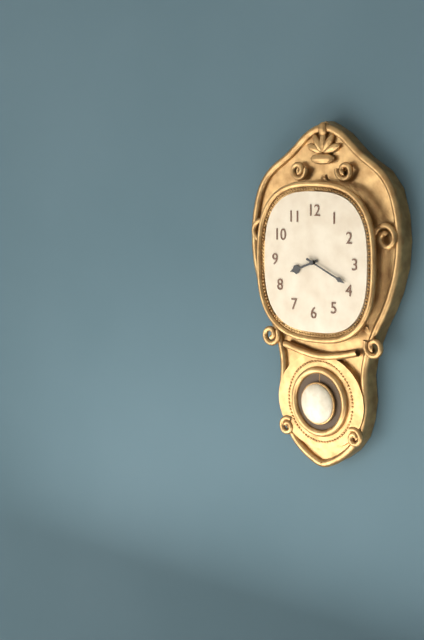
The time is 8,19
